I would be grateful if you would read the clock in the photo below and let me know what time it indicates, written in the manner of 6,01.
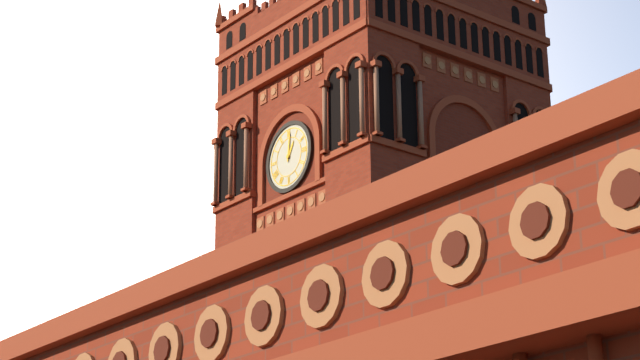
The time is 1,01
